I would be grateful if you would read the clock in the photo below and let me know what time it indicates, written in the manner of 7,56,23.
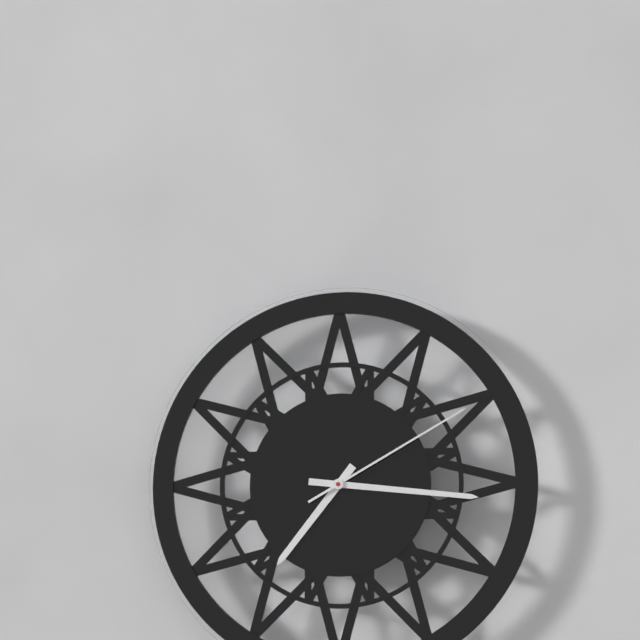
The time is 7,16,10
